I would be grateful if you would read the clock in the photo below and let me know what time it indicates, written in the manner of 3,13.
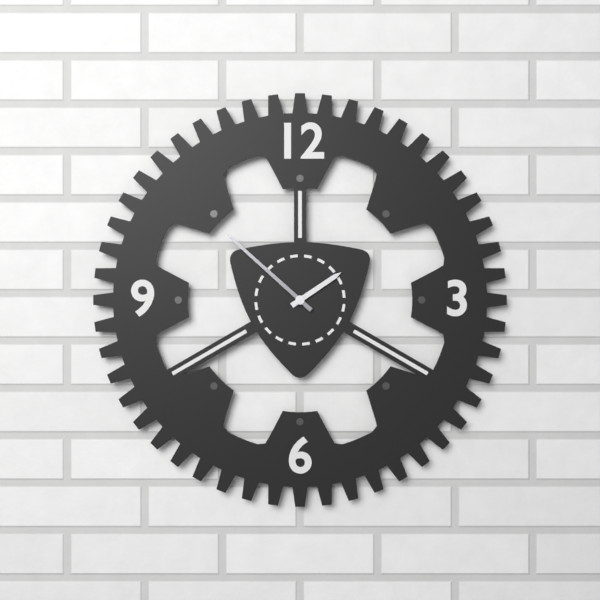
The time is 1,52
